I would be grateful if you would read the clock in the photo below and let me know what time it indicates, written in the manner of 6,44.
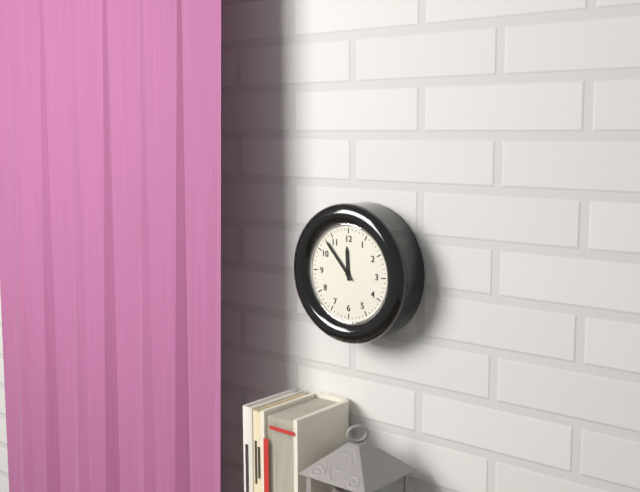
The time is 11,53
